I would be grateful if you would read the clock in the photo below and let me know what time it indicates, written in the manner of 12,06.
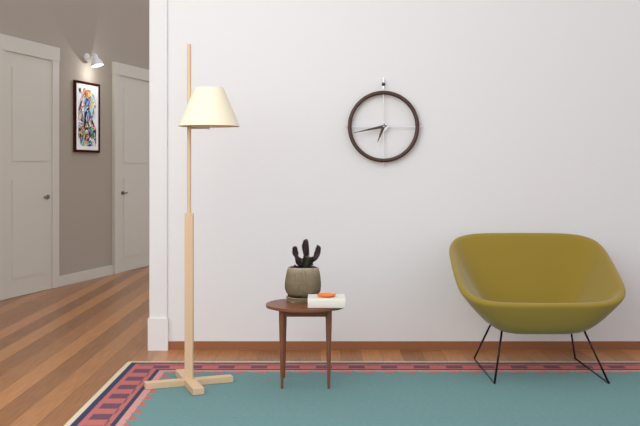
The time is 6,43
